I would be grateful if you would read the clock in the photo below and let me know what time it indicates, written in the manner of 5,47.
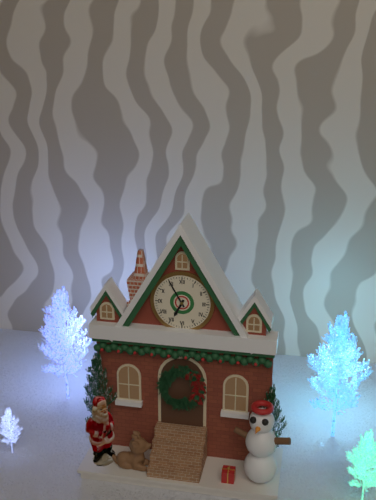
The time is 6,55
